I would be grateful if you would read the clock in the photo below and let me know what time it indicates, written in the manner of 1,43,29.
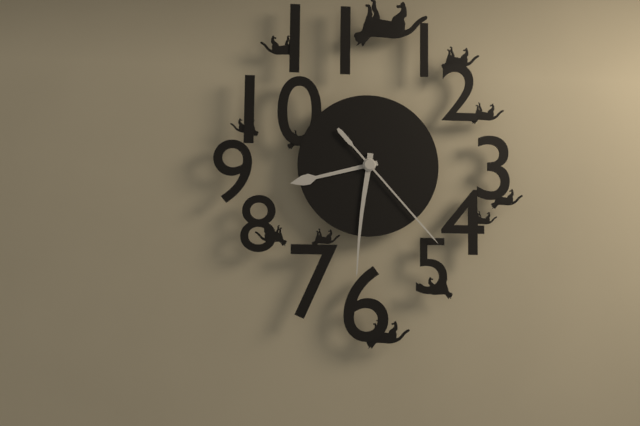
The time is 8,31,23
